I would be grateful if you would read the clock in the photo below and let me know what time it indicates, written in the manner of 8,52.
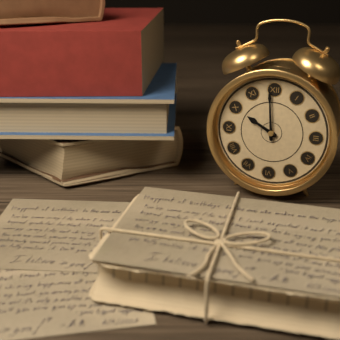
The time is 9,59
